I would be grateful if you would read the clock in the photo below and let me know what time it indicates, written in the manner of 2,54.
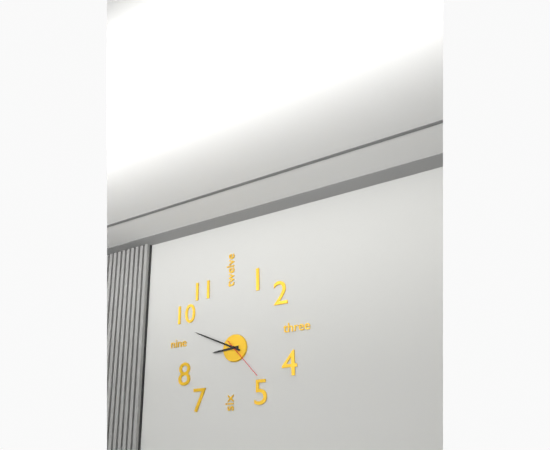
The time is 8,49
